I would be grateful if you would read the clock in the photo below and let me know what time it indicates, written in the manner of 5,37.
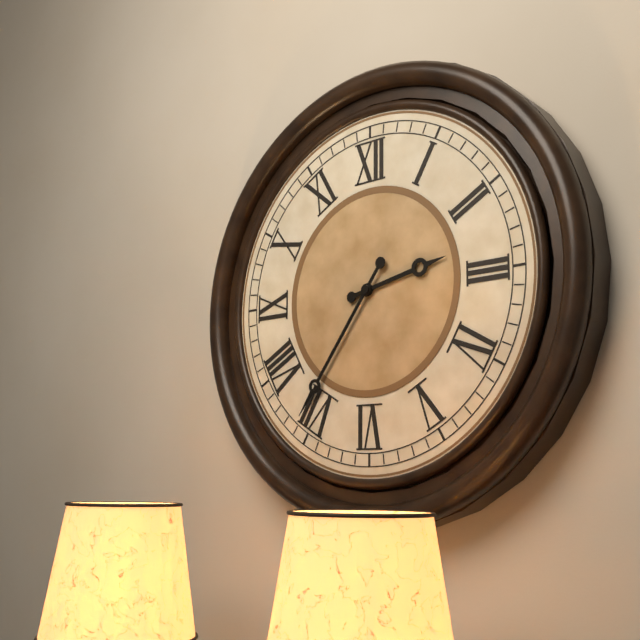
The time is 2,36
